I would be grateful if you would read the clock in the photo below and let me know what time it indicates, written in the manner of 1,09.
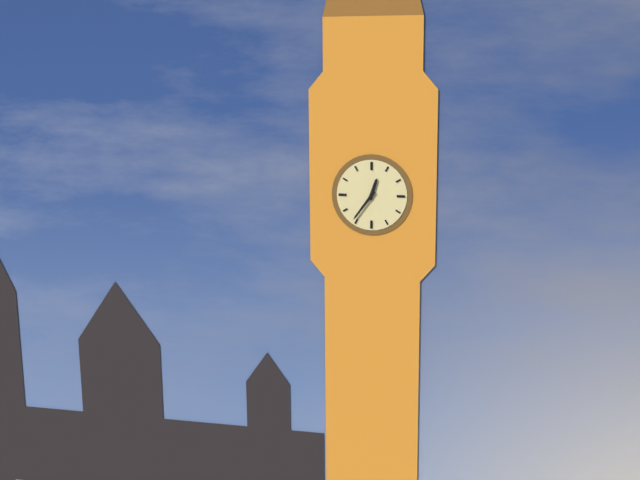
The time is 12,36
